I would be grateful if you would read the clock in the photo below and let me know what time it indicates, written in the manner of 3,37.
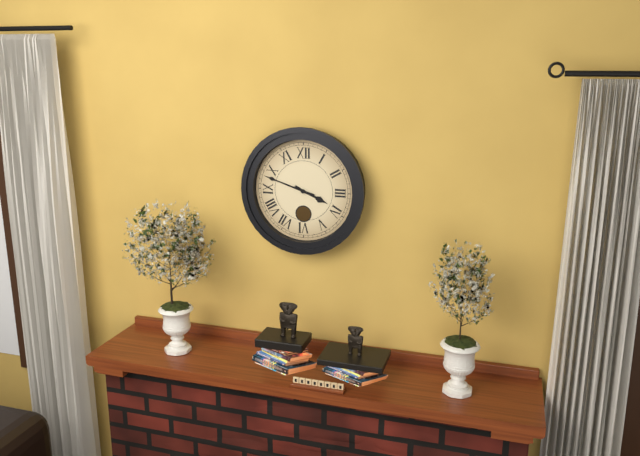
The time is 3,48
